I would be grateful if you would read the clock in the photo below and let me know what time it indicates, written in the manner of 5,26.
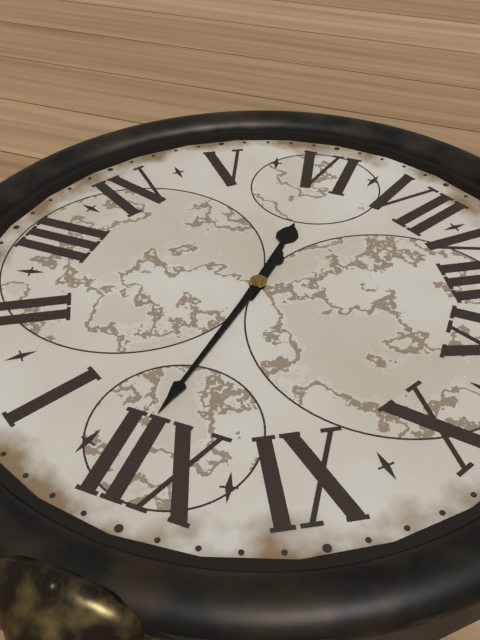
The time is 6,01
